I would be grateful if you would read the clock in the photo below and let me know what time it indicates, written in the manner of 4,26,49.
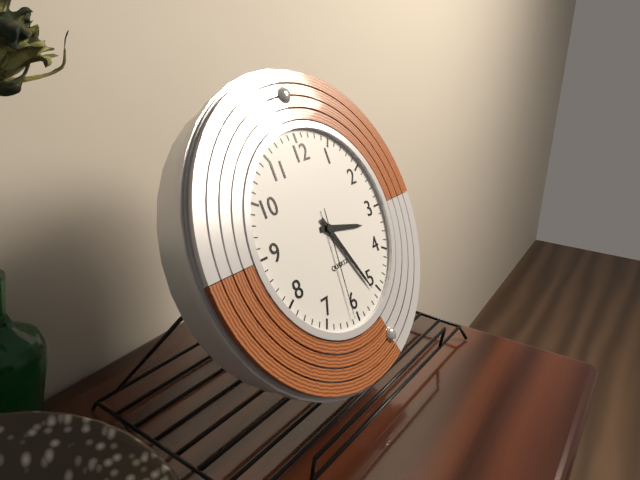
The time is 3,26,31
